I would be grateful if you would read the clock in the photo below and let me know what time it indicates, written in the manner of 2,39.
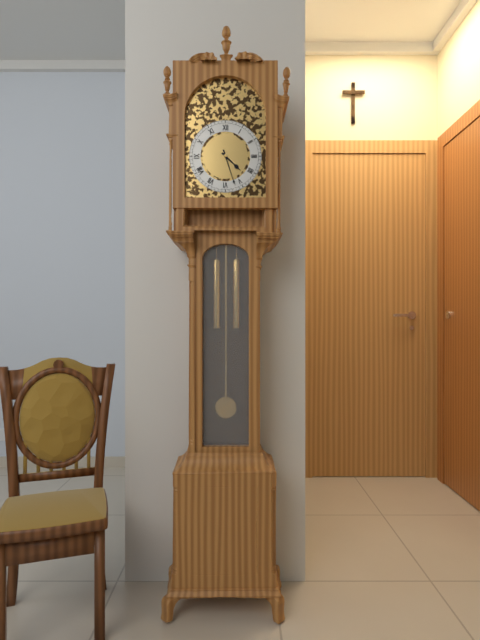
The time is 4,27
